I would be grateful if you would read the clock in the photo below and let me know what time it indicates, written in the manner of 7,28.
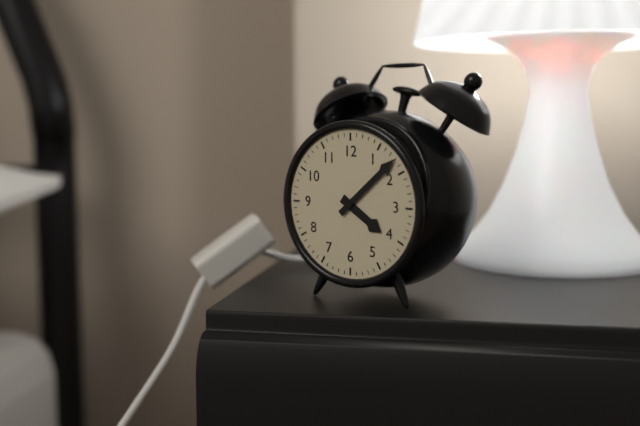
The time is 4,08
